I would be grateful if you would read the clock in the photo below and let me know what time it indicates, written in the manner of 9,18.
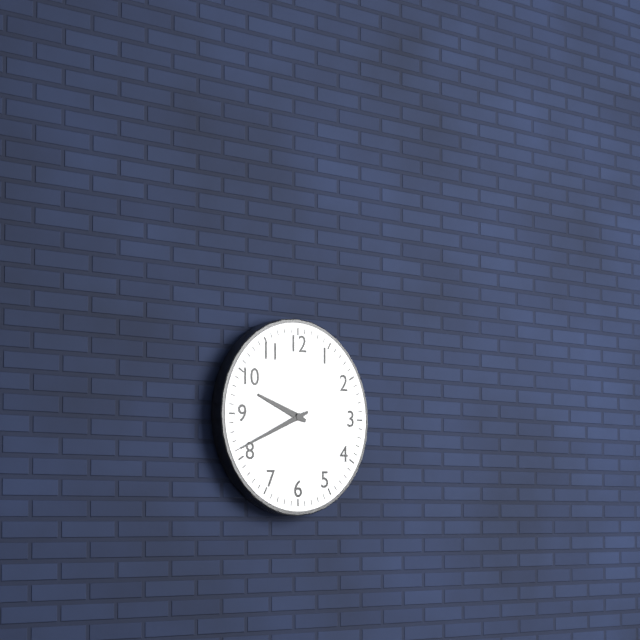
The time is 9,41
